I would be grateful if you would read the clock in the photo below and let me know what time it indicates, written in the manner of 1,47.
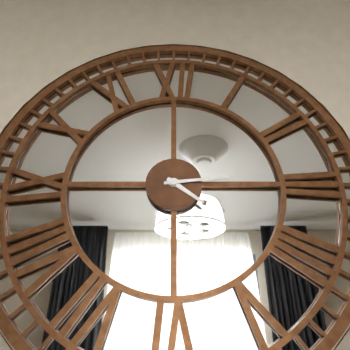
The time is 4,14
